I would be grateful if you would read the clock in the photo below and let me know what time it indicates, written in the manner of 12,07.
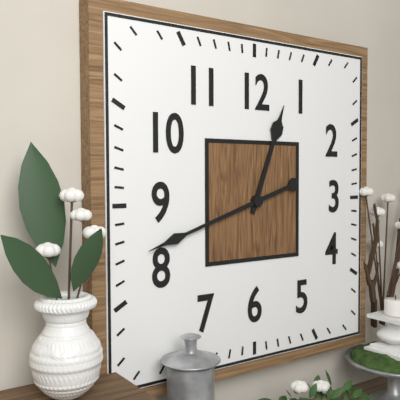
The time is 12,42
